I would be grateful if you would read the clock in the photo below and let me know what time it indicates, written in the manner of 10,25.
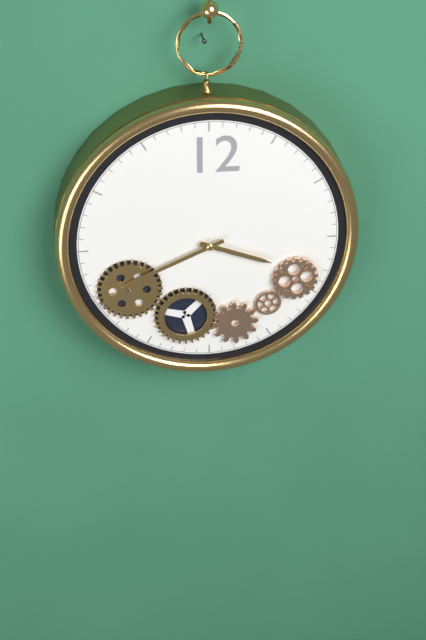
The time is 3,41
